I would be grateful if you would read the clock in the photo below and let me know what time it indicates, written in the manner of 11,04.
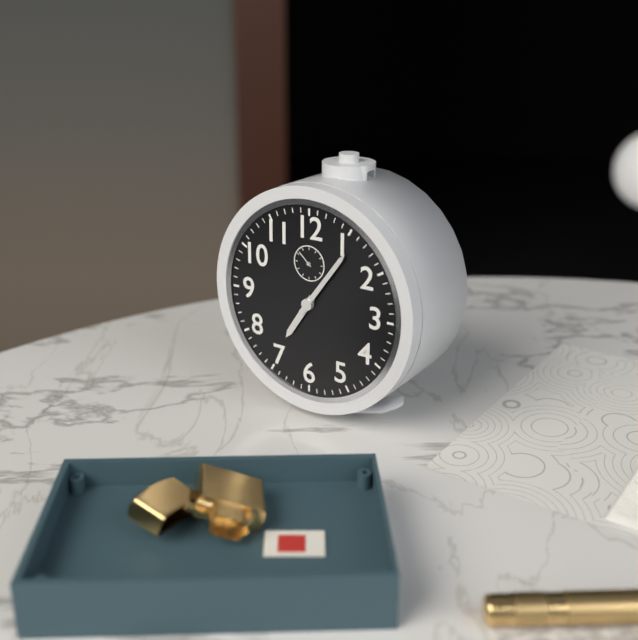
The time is 7,06
